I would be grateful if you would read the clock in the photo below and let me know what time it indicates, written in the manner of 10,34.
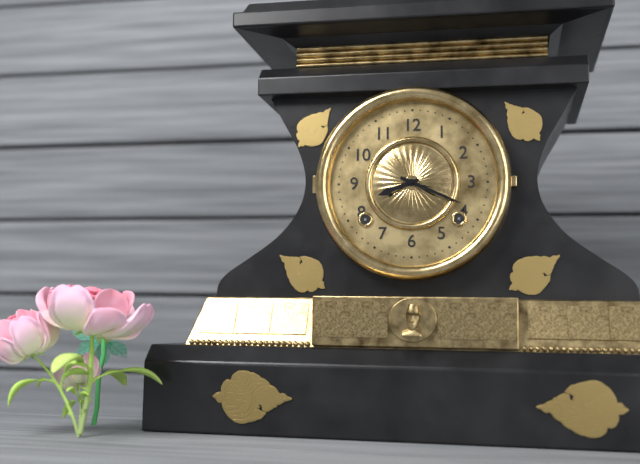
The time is 8,19
